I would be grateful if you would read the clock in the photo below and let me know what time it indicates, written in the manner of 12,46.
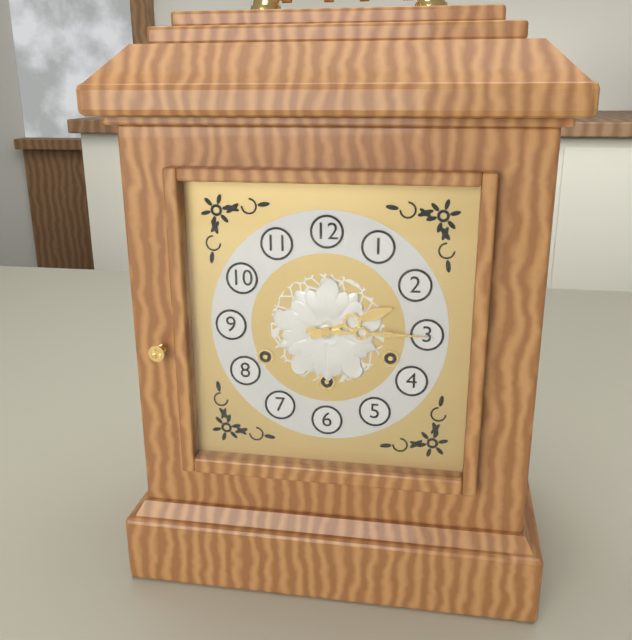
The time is 2,15
